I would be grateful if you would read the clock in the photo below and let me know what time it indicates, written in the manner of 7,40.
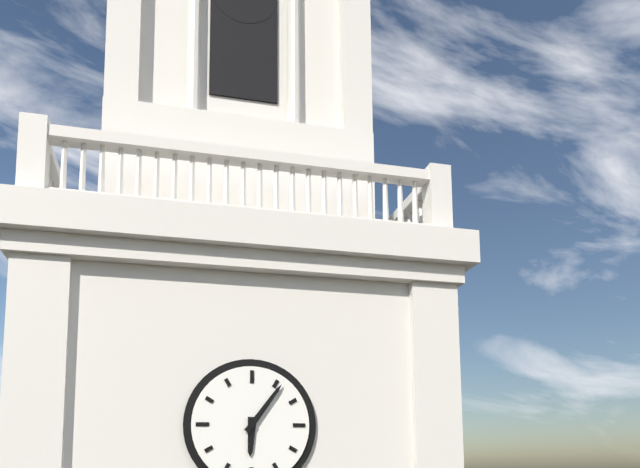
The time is 6,06
